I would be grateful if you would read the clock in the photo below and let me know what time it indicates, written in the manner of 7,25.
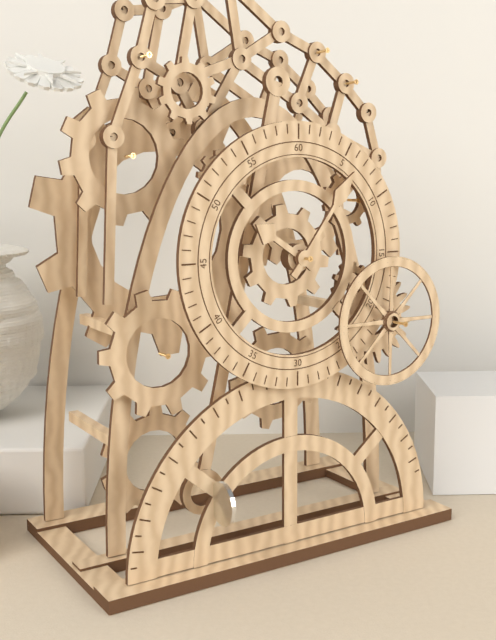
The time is 10,06
